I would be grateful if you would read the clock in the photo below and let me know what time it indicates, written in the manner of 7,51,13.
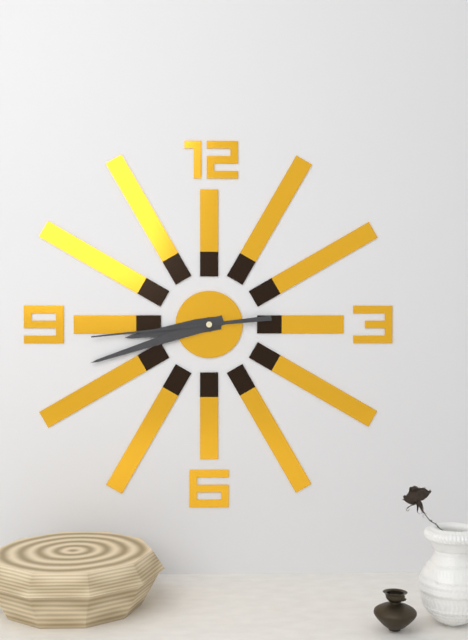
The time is 8,42,44
